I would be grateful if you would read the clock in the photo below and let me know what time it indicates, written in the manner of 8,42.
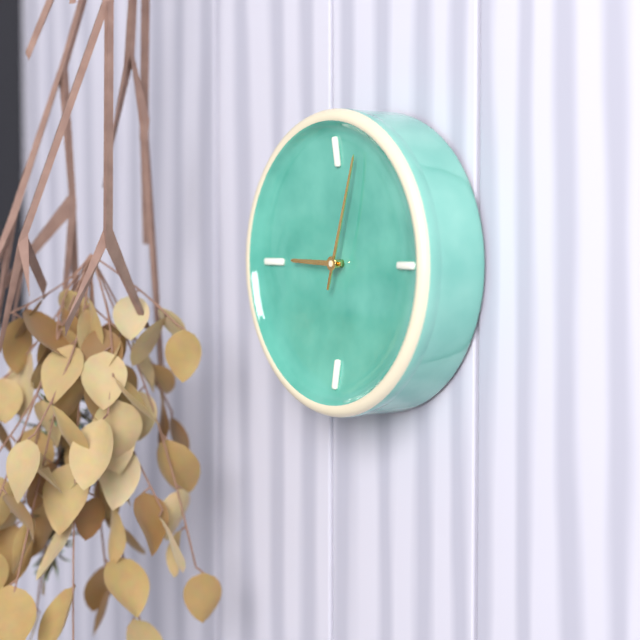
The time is 9,03
